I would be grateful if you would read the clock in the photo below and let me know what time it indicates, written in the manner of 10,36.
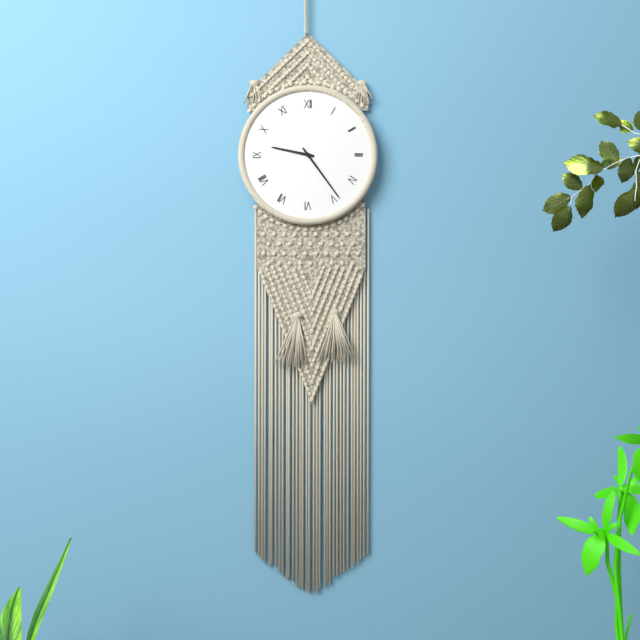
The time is 9,24
